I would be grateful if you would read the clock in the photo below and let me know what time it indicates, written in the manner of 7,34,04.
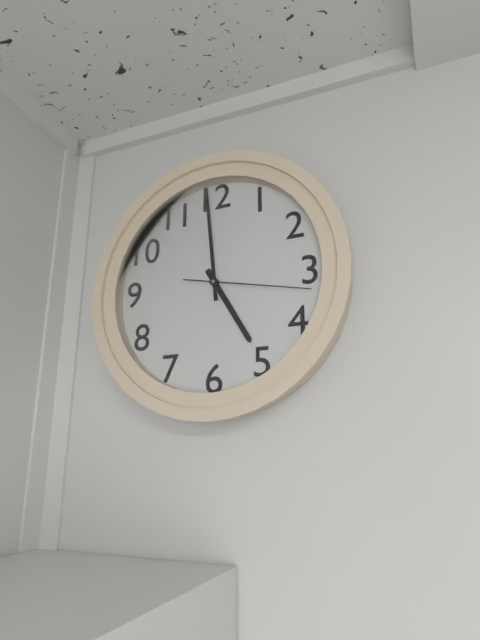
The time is 4,59,17
